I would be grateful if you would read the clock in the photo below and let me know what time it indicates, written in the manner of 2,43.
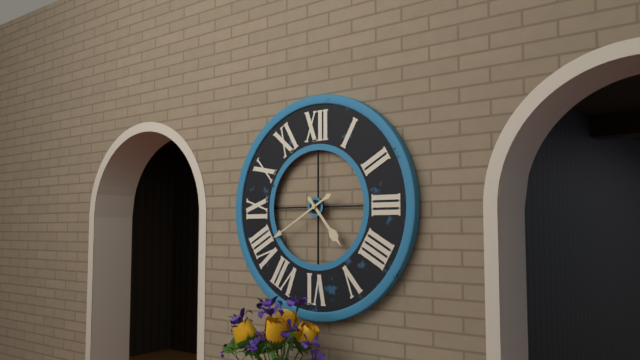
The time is 4,40
